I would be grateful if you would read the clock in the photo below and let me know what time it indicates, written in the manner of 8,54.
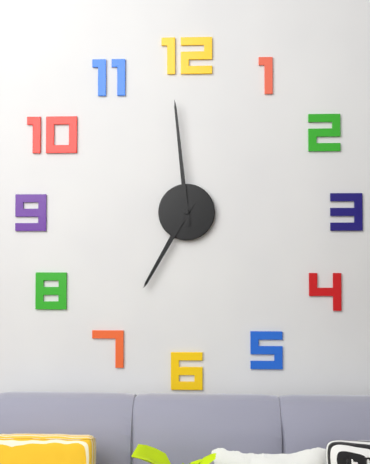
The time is 6,59
